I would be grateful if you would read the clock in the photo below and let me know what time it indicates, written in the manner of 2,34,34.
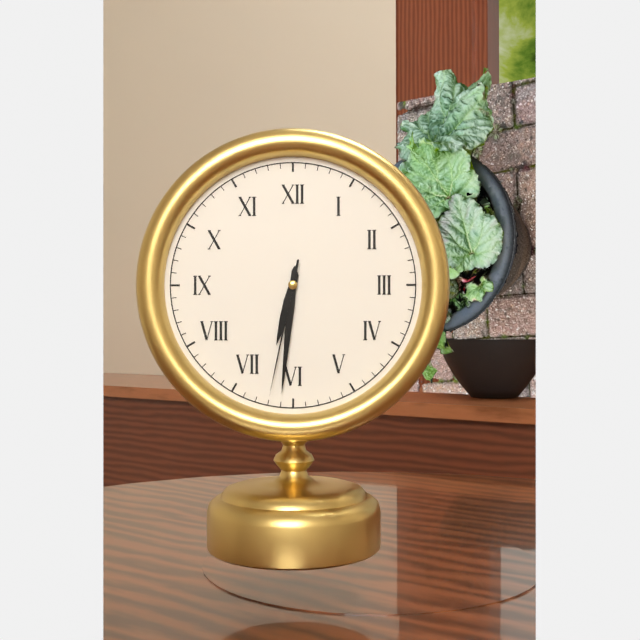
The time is 6,31,32
